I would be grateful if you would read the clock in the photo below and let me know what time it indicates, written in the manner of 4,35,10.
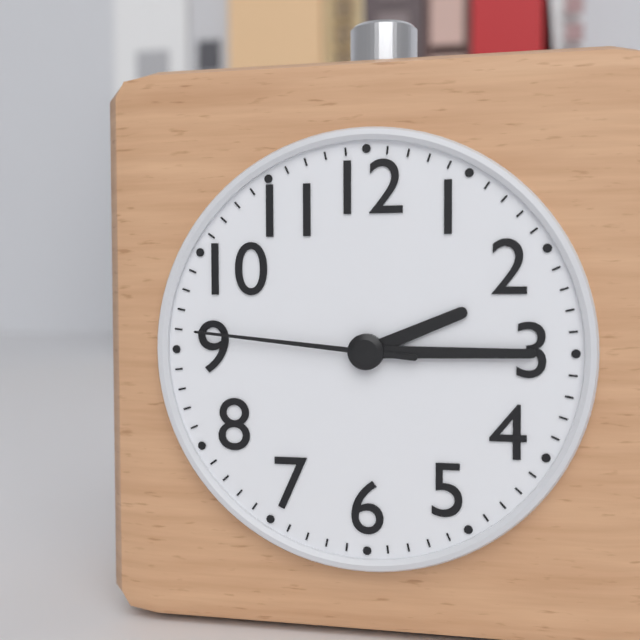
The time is 2,15,46
